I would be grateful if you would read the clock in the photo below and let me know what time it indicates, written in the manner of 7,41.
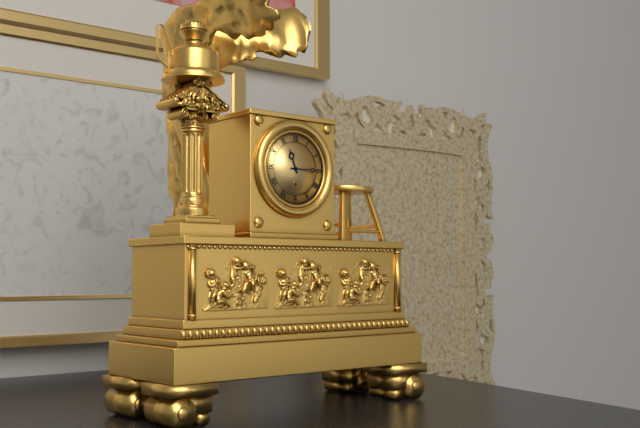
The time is 11,15
